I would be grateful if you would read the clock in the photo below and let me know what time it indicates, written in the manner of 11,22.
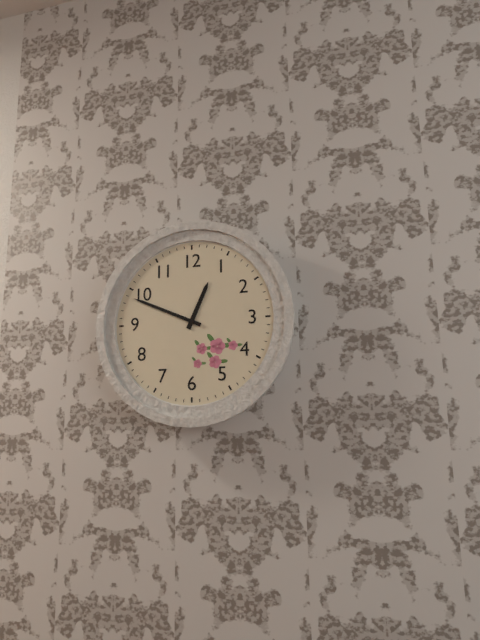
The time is 12,49
